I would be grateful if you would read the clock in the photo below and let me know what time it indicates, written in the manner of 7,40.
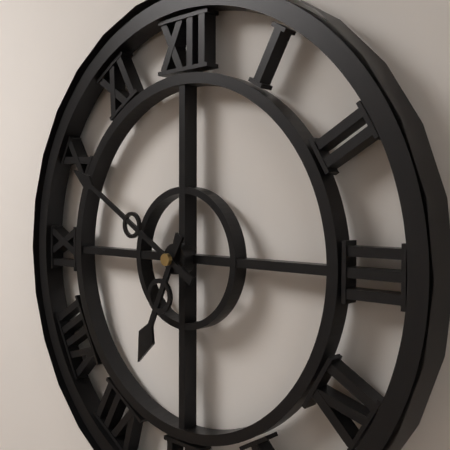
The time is 6,50
